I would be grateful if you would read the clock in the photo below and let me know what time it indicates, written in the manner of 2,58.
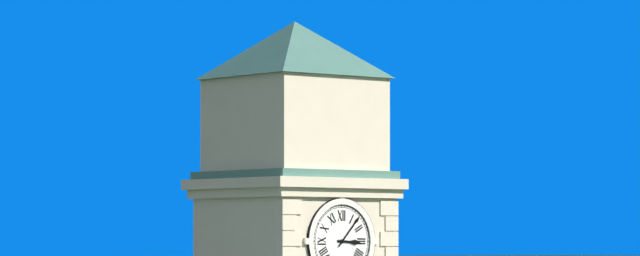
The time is 3,07
